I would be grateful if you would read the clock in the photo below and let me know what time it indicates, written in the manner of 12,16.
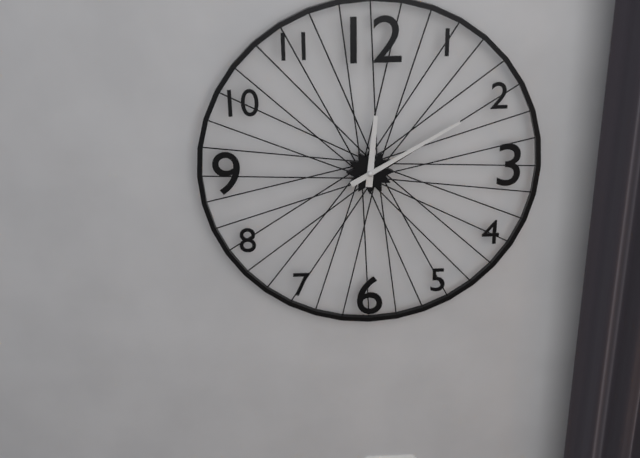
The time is 12,10
